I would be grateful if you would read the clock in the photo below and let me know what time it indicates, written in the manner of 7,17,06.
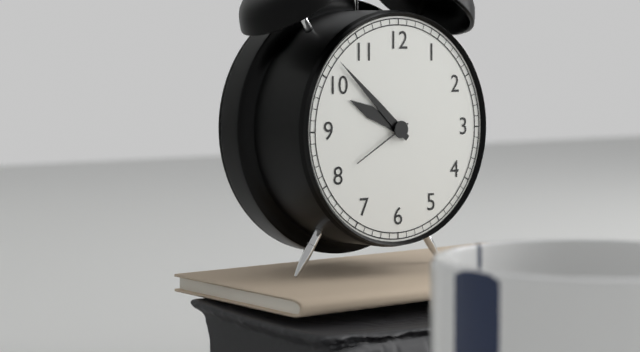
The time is 9,52,40
